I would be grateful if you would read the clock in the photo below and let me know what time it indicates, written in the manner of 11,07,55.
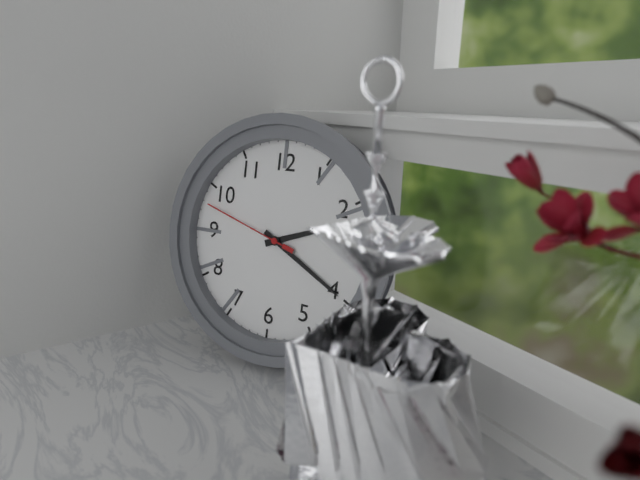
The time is 2,20,48
